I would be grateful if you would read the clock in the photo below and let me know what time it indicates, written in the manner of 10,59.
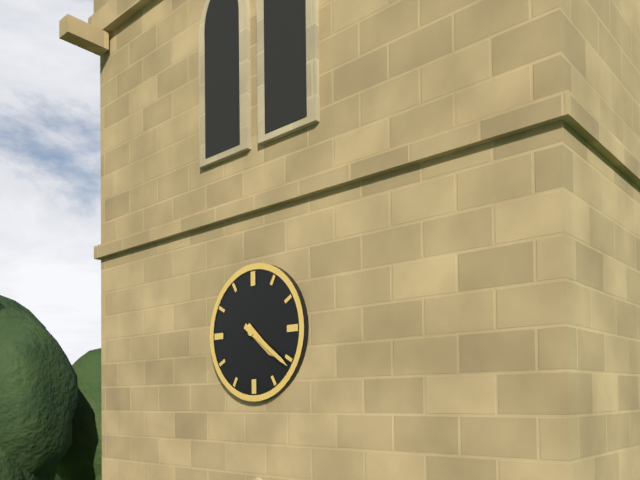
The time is 4,21
